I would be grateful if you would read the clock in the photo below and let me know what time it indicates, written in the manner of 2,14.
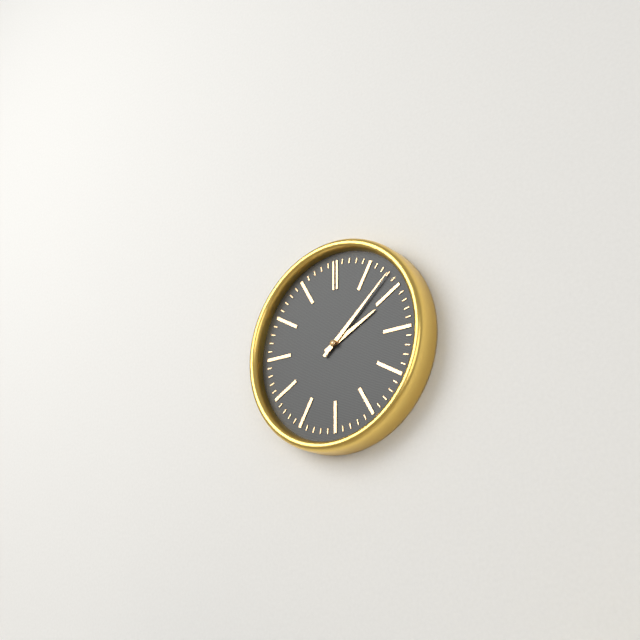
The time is 2,08
